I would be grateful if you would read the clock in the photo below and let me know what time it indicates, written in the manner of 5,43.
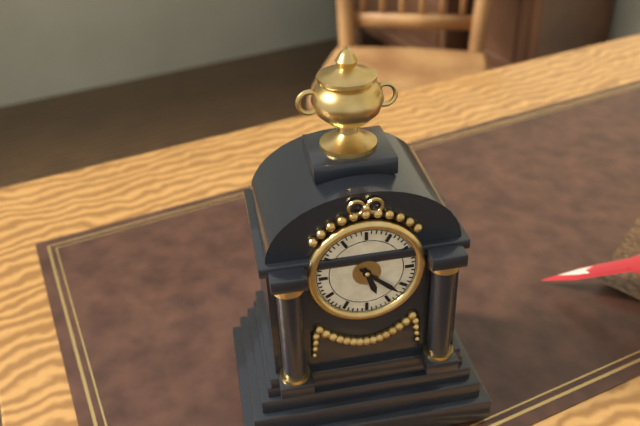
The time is 5,22
